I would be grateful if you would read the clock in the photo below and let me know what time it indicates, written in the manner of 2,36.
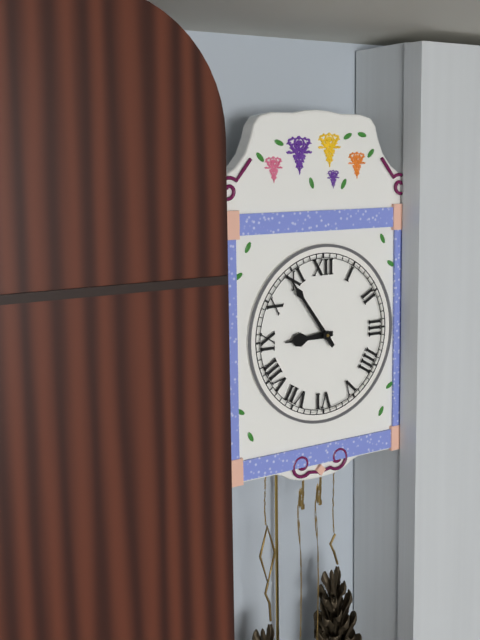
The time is 8,54
